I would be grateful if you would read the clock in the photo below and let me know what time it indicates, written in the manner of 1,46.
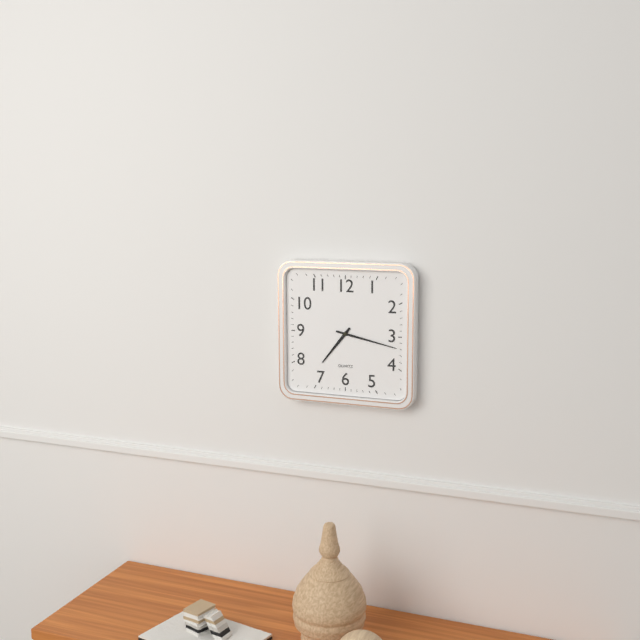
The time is 7,17
